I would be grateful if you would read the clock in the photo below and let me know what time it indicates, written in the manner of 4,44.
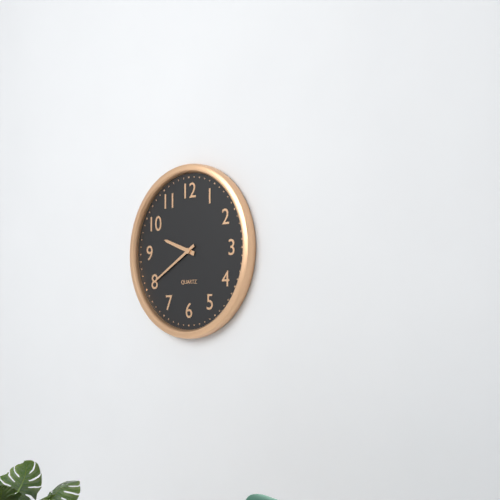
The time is 9,40
